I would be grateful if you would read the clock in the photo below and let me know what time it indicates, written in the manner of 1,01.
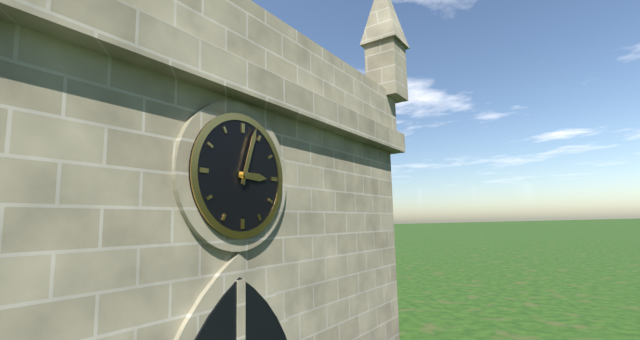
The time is 3,03
